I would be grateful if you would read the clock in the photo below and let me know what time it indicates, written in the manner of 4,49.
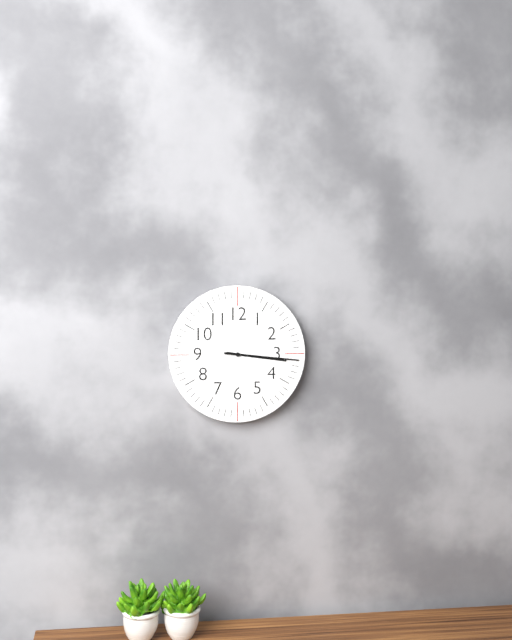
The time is 3,16
